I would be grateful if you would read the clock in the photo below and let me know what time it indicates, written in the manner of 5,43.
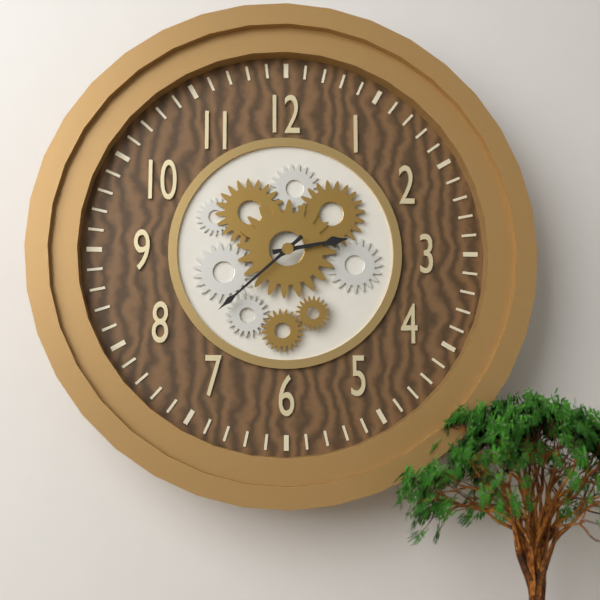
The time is 2,38
